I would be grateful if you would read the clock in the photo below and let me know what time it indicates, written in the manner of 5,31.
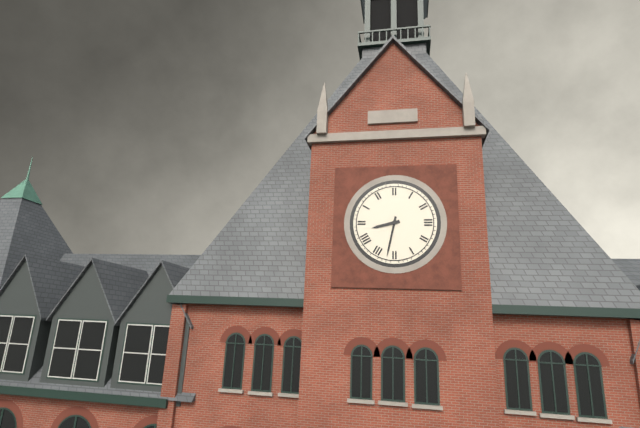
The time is 8,32
